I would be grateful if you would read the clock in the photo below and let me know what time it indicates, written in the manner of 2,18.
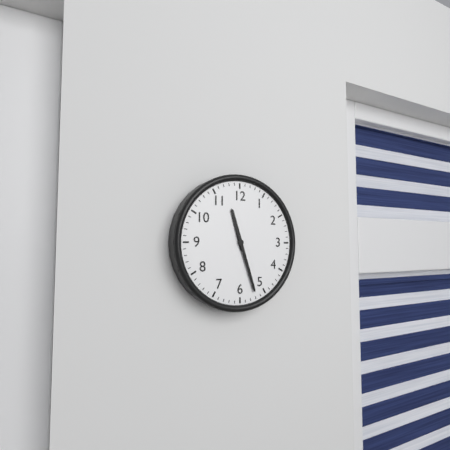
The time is 11,27
